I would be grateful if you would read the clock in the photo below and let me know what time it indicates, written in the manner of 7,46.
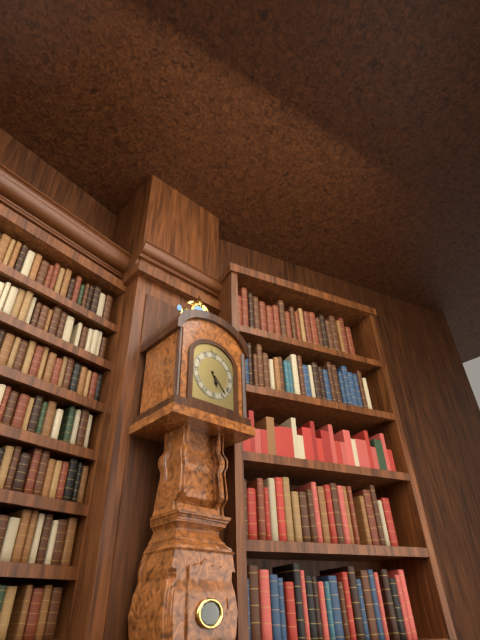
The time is 5,23
